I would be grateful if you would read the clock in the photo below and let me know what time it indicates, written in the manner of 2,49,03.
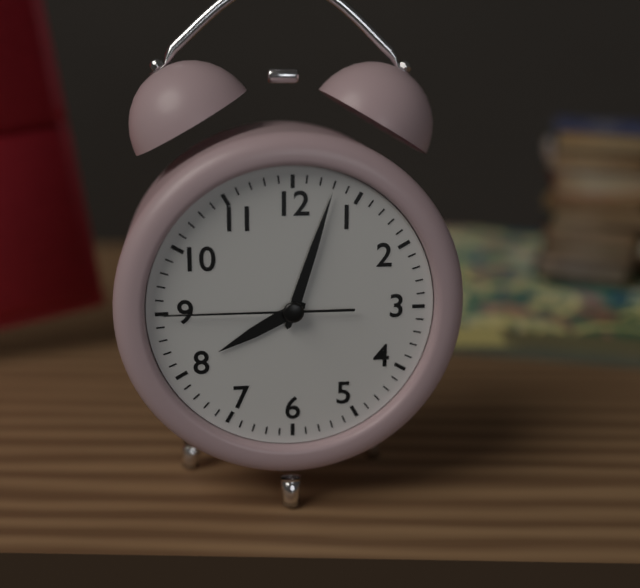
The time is 8,03,45
